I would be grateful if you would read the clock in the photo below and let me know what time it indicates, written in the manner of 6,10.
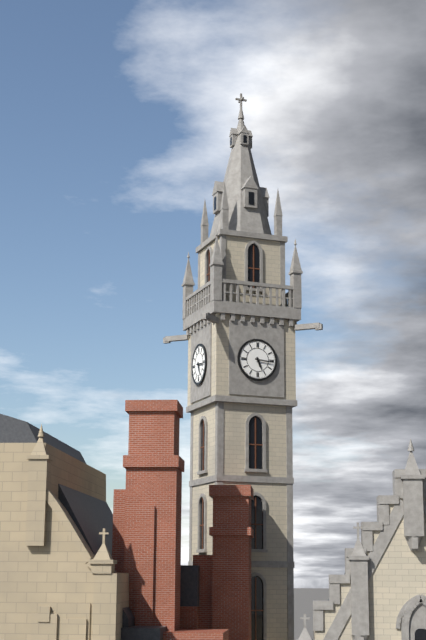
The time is 5,16
